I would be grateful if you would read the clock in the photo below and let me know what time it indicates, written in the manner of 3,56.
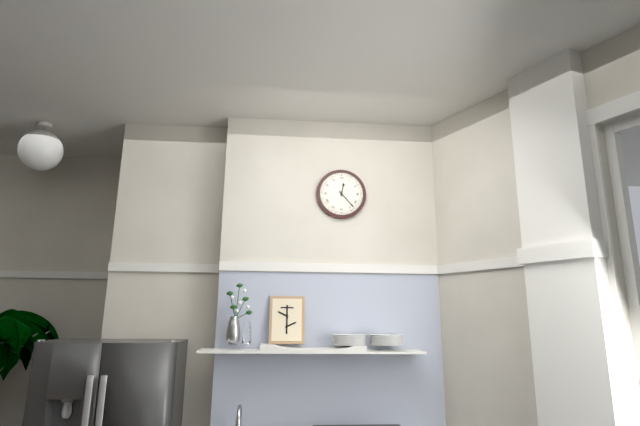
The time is 12,23
